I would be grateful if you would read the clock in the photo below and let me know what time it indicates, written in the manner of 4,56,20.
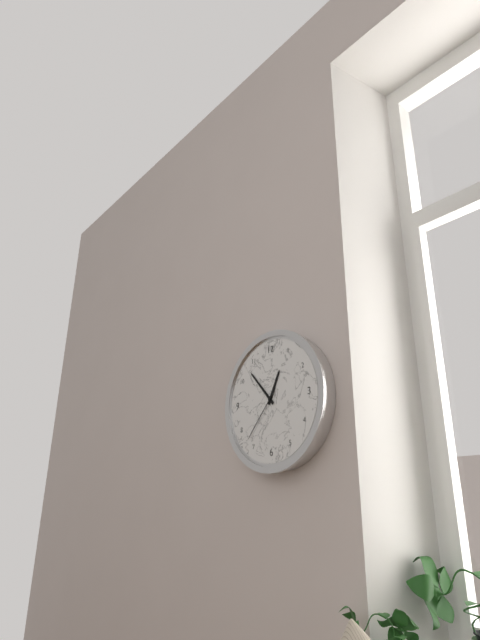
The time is 12,53,37
